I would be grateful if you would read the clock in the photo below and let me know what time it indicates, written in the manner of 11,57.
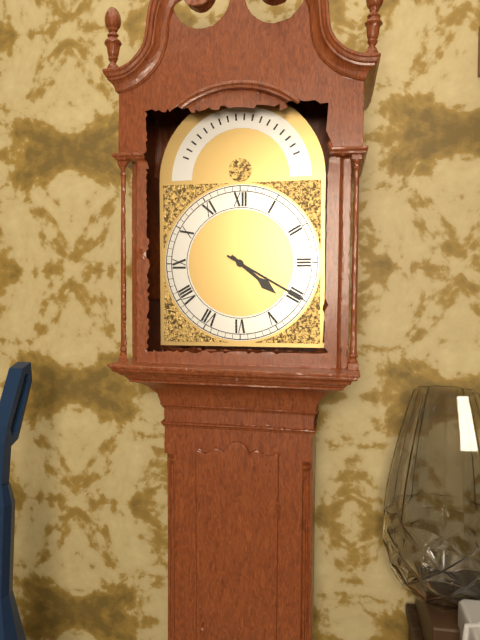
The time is 4,20
